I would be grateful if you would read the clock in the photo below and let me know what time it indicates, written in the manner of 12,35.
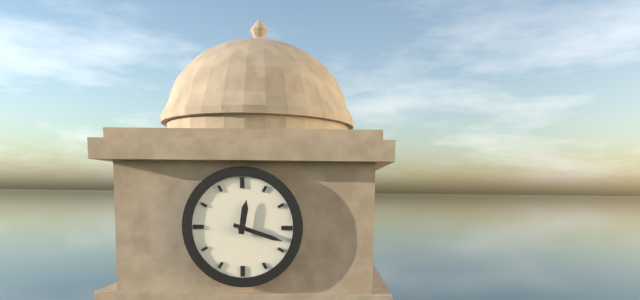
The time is 12,18
